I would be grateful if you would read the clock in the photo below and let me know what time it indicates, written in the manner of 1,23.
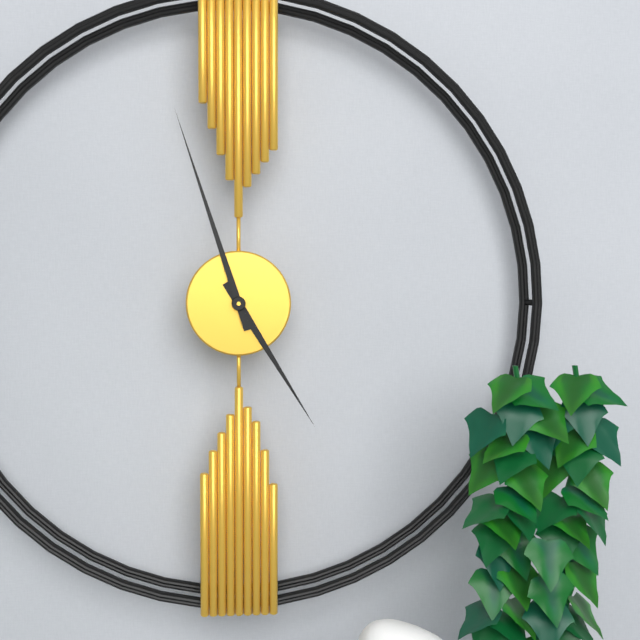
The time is 4,57
